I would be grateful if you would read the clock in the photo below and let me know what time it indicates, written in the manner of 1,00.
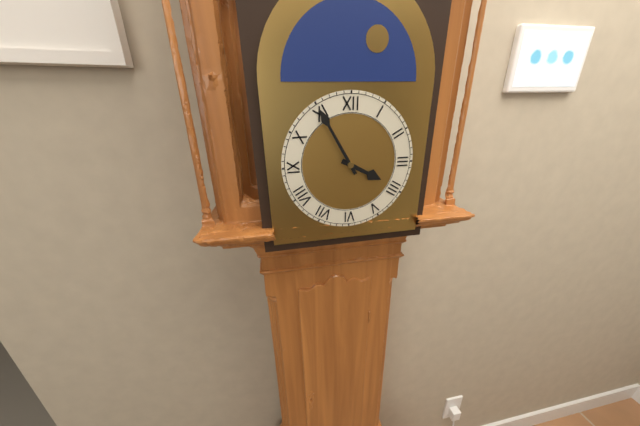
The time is 3,55
